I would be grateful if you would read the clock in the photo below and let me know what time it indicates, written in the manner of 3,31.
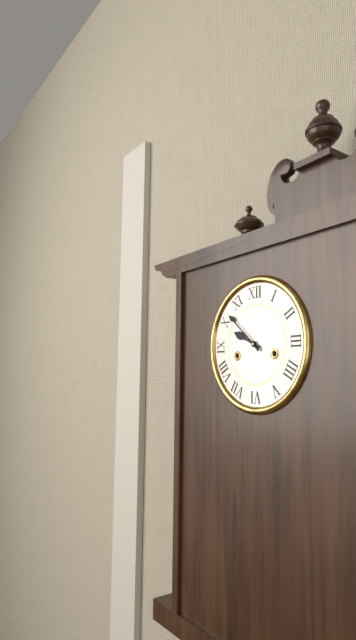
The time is 9,52
